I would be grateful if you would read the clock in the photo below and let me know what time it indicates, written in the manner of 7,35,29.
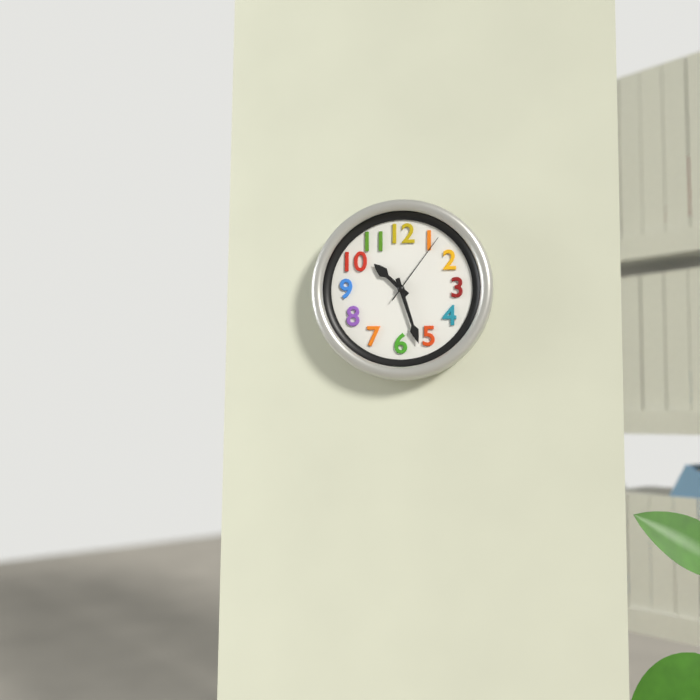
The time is 10,27,06
